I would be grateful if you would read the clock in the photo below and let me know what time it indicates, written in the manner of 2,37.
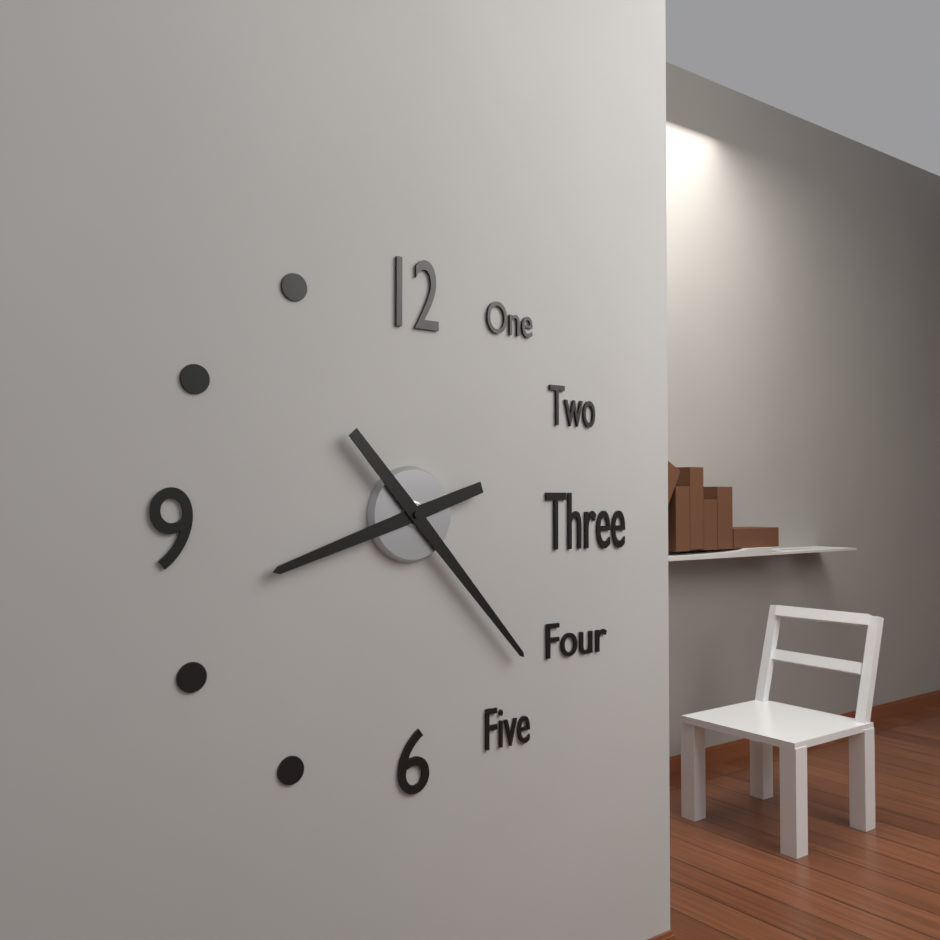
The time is 8,23
